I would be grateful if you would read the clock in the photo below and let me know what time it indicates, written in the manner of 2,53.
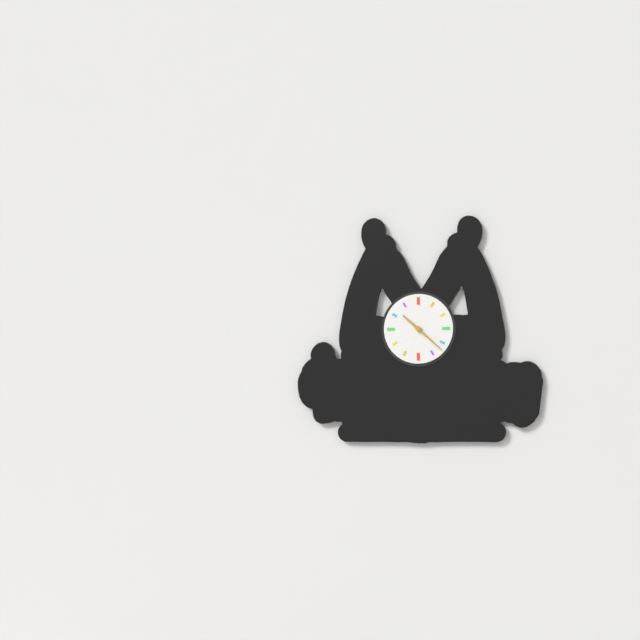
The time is 10,22
